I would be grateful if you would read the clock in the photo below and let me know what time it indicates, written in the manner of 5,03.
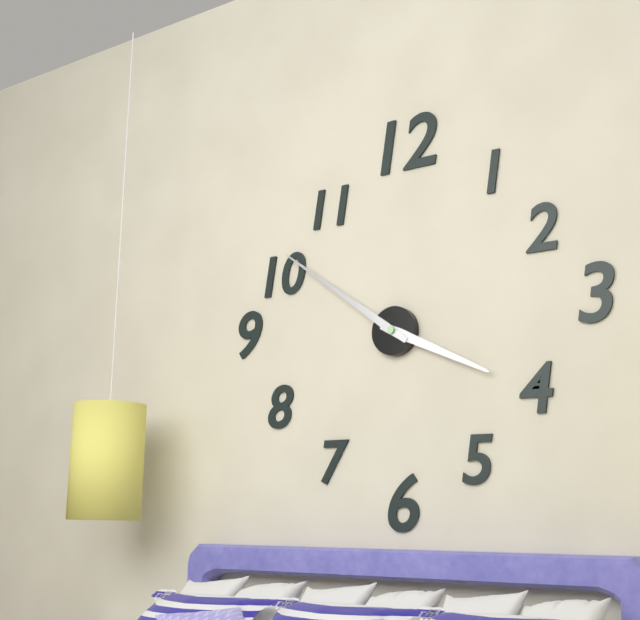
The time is 3,51
